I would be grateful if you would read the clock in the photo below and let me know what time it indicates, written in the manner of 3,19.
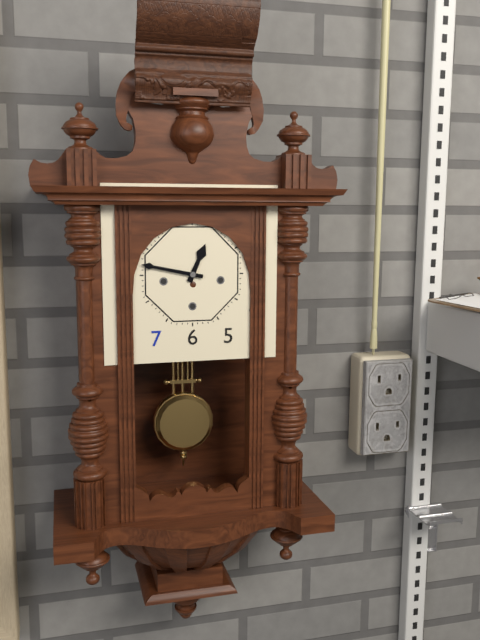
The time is 12,47
